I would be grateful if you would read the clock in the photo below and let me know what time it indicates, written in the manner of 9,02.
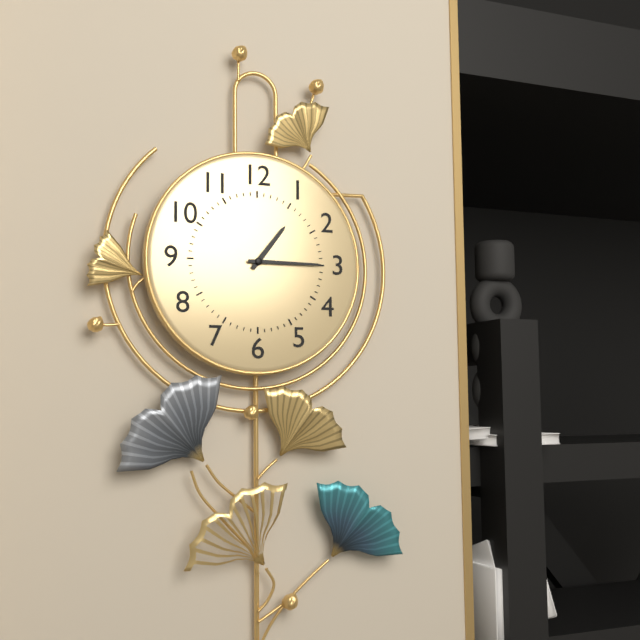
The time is 1,15
